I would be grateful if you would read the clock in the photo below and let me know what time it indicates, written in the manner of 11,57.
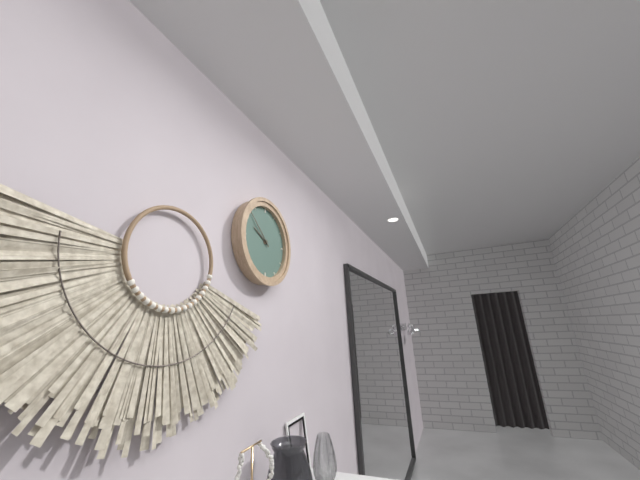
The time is 9,52
